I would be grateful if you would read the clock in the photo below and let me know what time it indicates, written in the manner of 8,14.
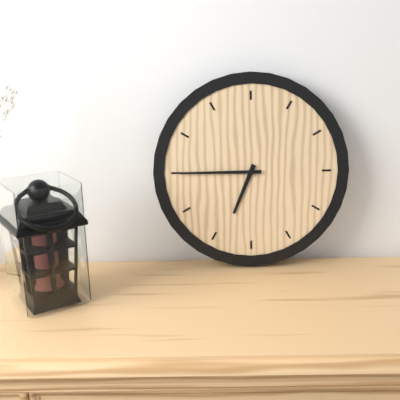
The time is 6,45
